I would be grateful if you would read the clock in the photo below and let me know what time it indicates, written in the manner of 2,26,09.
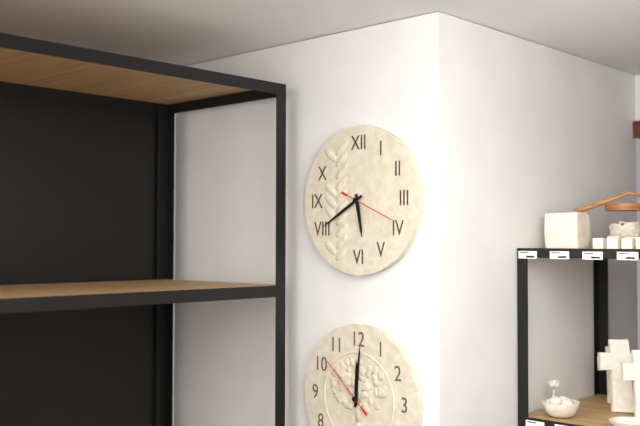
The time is 5,40,19
